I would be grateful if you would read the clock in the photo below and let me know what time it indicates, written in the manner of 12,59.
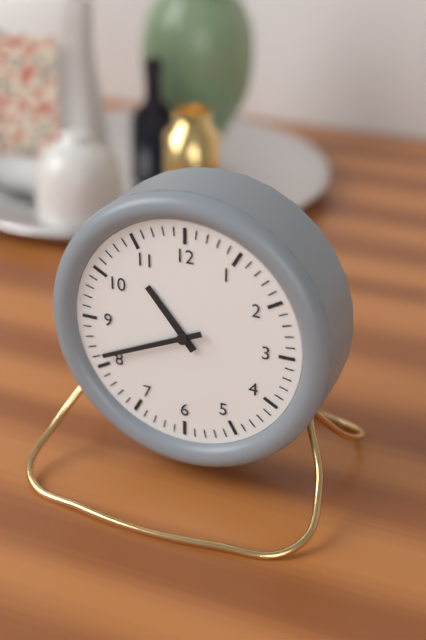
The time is 10,41
